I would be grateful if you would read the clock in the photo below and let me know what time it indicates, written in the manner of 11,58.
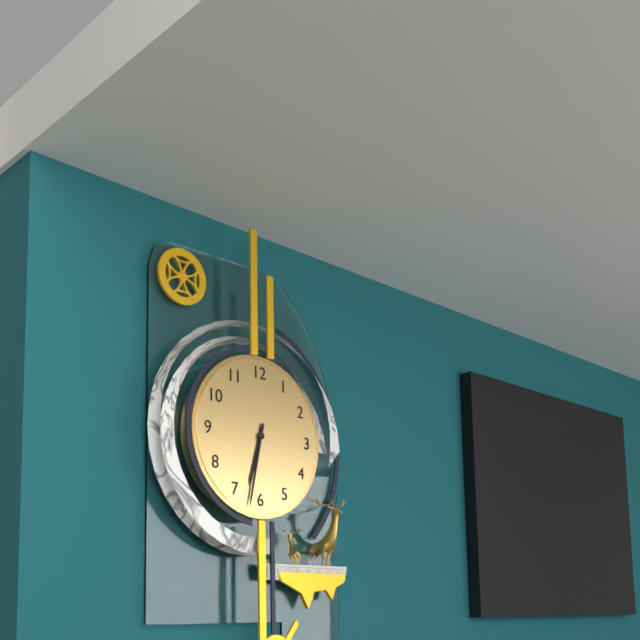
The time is 6,32
